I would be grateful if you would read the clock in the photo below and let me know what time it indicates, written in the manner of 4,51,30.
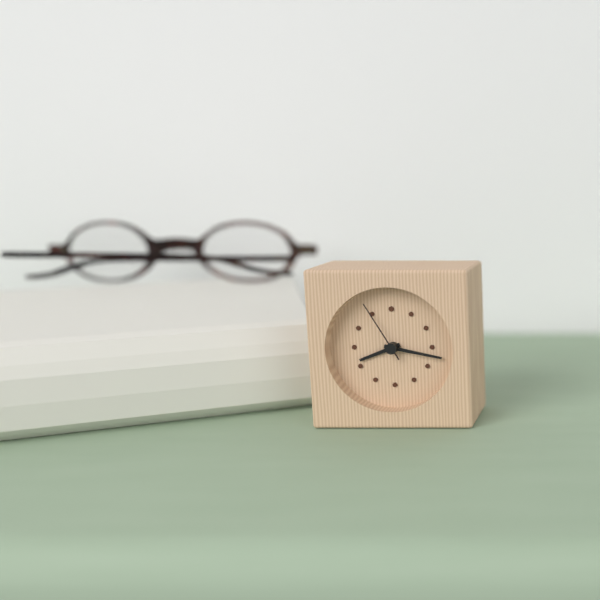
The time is 8,17,55
